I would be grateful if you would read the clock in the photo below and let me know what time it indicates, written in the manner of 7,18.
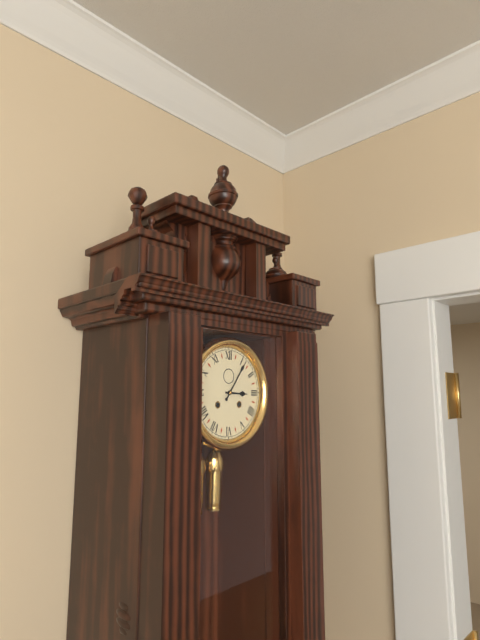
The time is 3,06
